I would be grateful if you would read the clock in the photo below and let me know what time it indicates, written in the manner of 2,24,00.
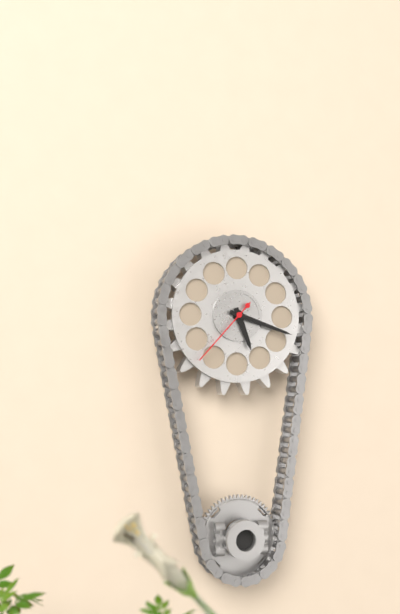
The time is 5,18,37
